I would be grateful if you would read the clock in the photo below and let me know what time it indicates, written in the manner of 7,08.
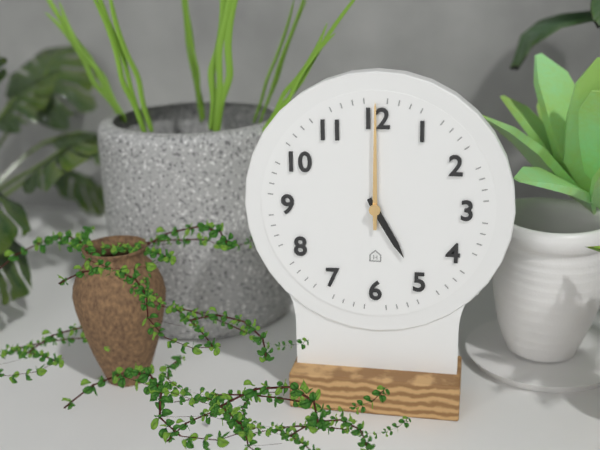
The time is 5,00
